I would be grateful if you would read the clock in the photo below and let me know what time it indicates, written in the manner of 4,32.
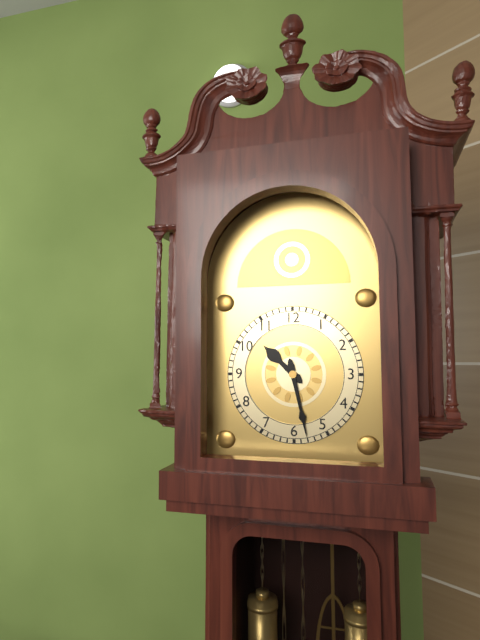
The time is 10,28
